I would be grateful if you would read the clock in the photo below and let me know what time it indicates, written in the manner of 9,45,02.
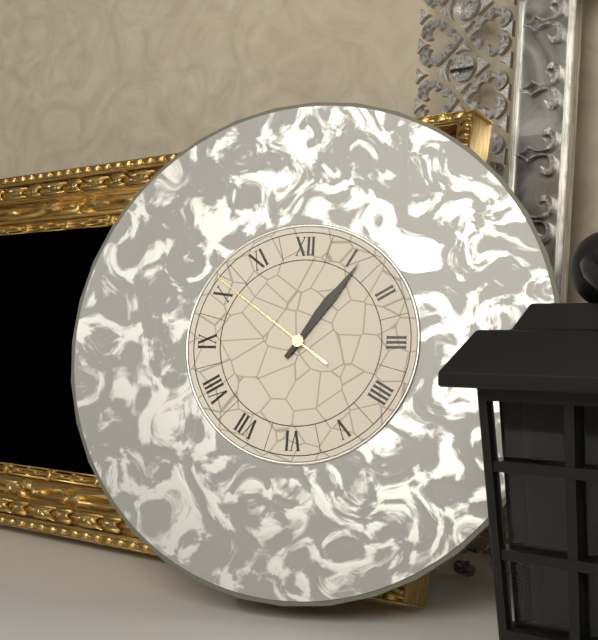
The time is 1,06,51
